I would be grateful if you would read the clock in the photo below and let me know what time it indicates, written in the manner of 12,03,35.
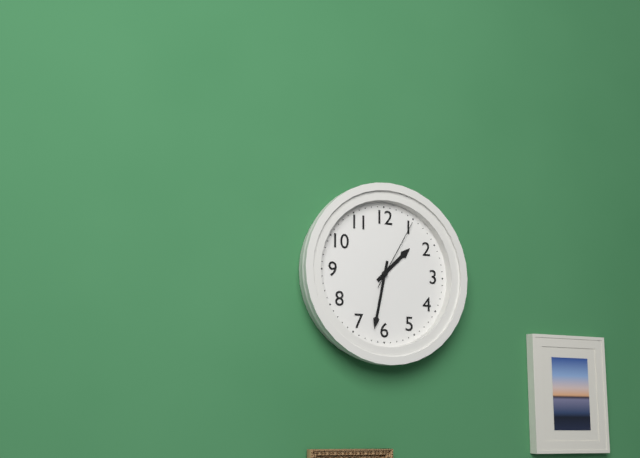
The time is 1,32,05
